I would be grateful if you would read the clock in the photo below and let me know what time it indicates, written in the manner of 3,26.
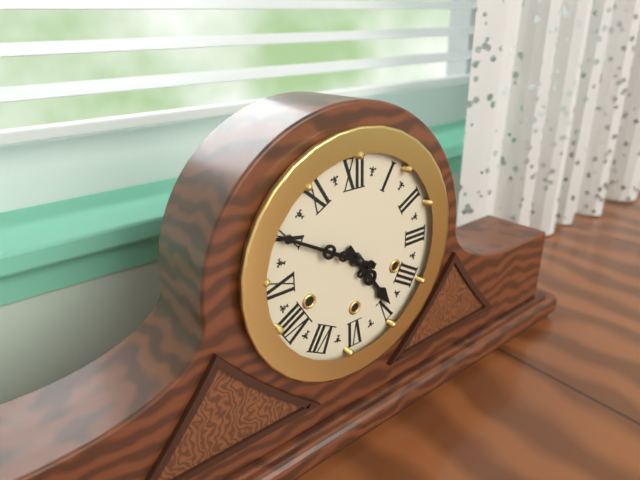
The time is 4,50
